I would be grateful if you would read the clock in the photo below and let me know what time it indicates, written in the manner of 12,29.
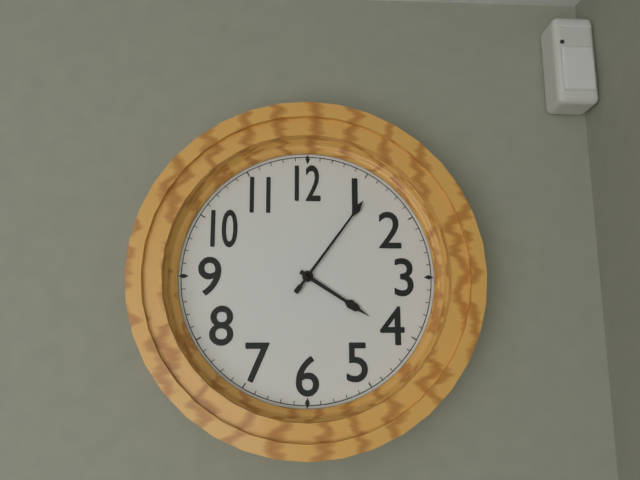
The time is 4,06
